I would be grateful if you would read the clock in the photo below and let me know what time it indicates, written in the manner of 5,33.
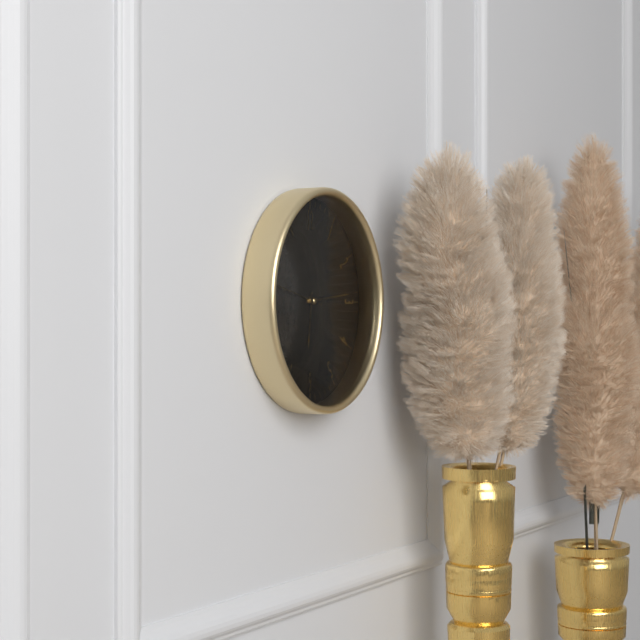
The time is 6,14
